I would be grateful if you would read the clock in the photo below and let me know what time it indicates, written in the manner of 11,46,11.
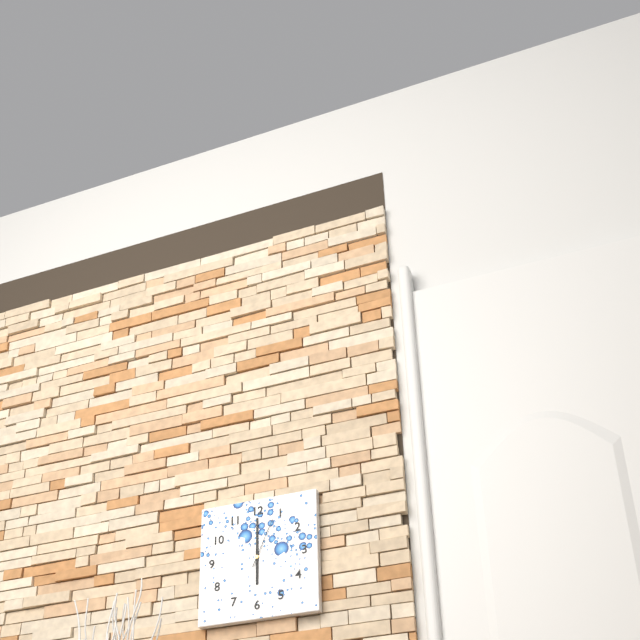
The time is 6,00,04
